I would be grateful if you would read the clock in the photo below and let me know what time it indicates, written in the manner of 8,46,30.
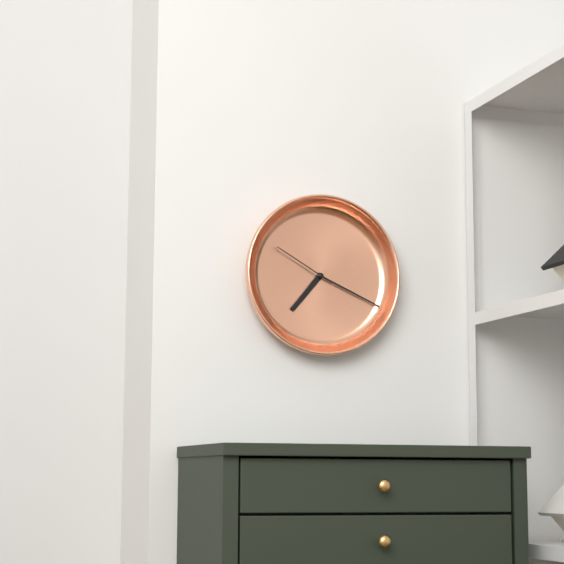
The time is 7,19,50
